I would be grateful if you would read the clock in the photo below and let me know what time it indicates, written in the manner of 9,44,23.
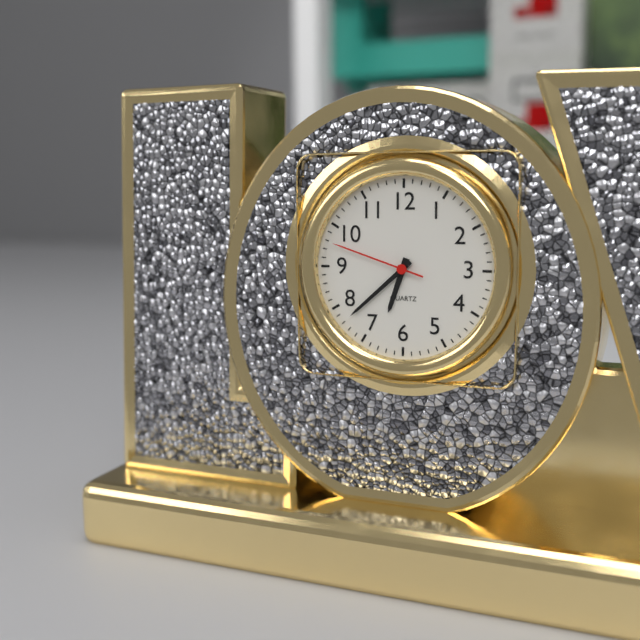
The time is 6,38,48
